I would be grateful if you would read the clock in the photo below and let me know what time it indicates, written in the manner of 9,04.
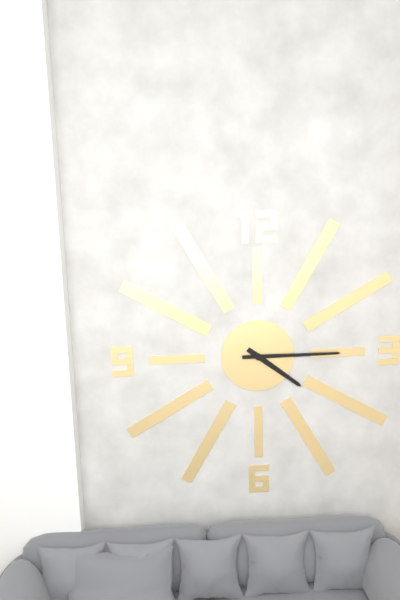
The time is 4,15
